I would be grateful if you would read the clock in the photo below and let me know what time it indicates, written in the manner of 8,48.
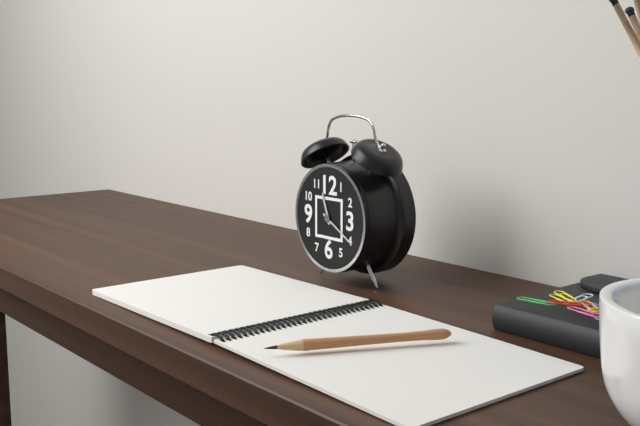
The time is 11,20
